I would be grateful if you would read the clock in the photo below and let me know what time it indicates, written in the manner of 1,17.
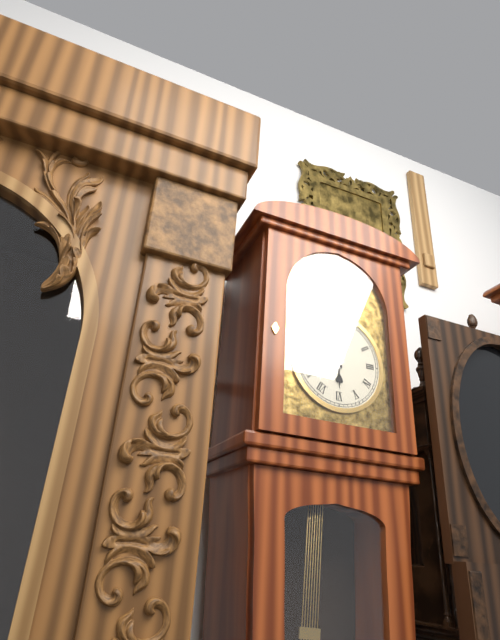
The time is 5,57
